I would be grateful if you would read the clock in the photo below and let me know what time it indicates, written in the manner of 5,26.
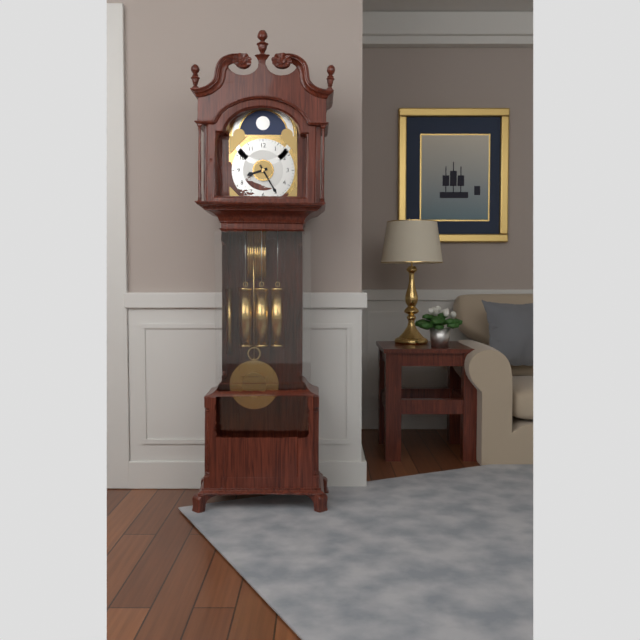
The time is 8,25
